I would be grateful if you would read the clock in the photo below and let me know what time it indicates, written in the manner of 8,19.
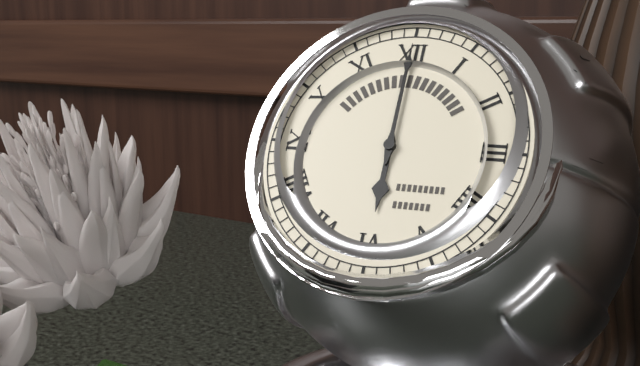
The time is 6,00
